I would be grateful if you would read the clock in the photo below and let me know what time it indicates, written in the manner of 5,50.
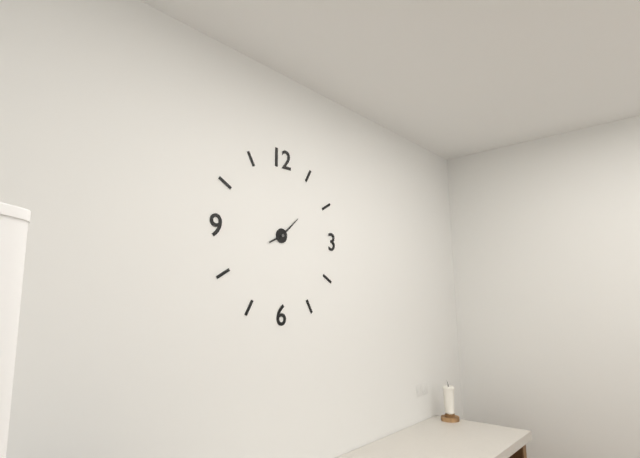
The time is 8,08
